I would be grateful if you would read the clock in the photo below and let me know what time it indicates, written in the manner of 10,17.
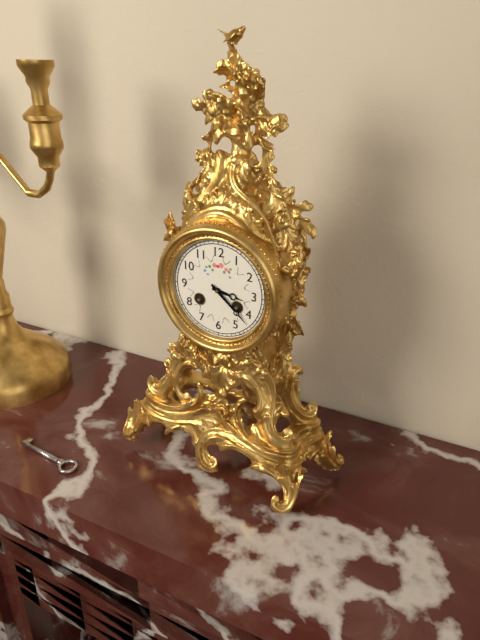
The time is 3,22
